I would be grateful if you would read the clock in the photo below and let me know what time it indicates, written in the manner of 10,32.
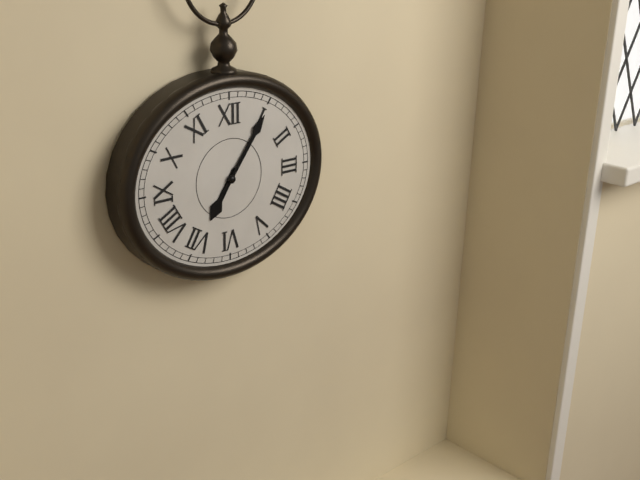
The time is 7,06
